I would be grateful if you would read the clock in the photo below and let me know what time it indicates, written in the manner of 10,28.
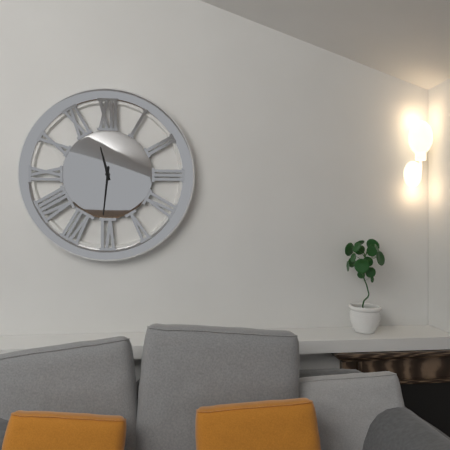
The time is 11,31
